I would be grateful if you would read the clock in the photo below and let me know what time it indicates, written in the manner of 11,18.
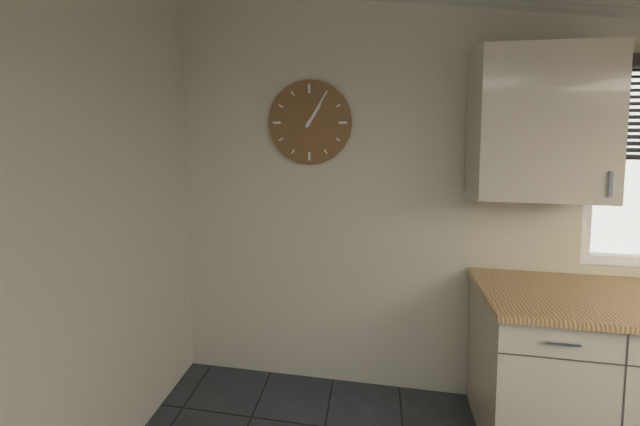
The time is 1,05
